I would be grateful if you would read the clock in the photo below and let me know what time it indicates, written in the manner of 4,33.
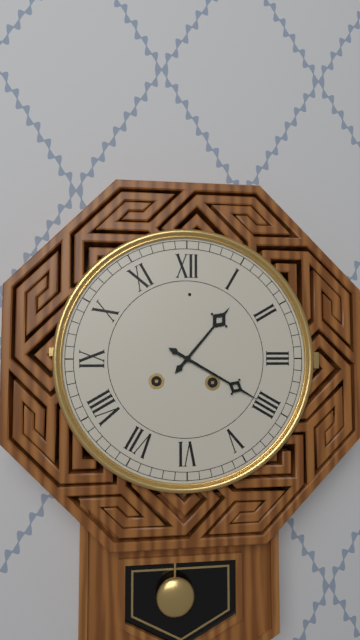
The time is 1,20
